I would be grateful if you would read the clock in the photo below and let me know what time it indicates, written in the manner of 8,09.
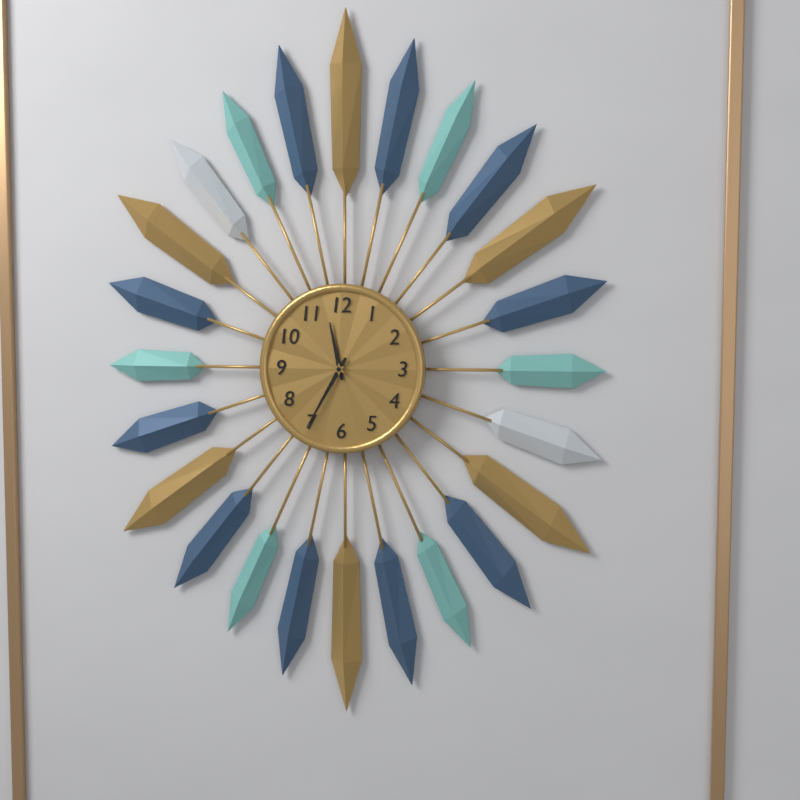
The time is 11,35
